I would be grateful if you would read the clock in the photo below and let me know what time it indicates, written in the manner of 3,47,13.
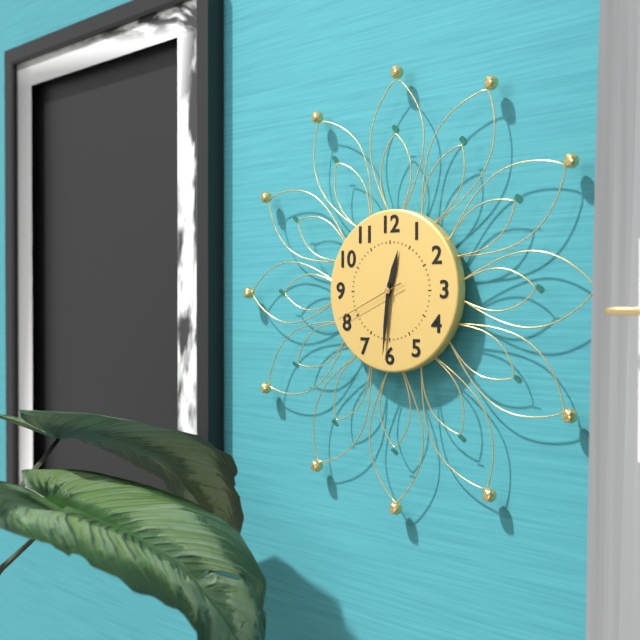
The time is 12,31,41
